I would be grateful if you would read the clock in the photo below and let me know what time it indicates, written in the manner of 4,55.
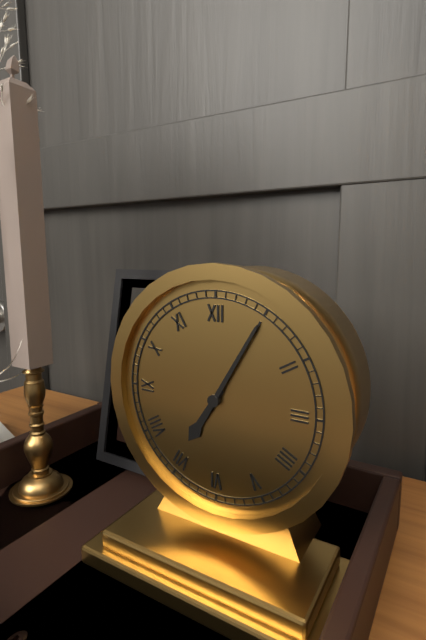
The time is 7,05
